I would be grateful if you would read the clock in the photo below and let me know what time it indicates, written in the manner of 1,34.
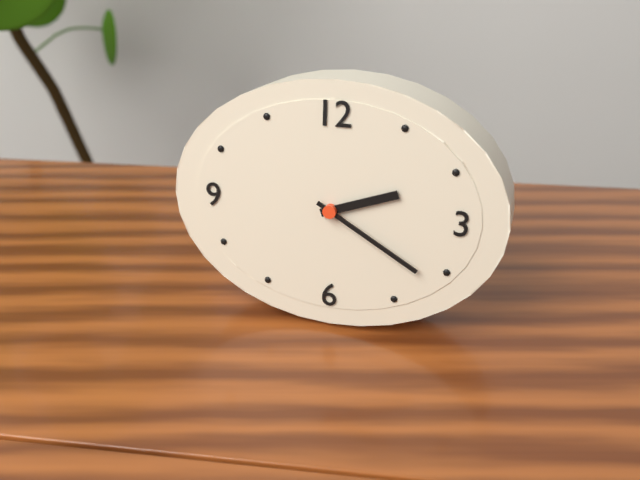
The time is 2,20
